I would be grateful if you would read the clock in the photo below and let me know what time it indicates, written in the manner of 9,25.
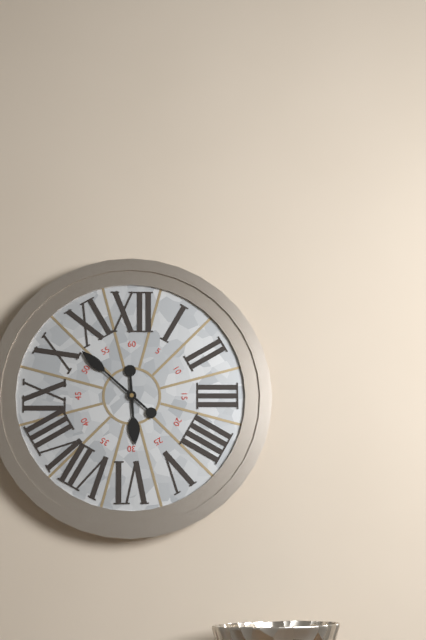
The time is 5,52
